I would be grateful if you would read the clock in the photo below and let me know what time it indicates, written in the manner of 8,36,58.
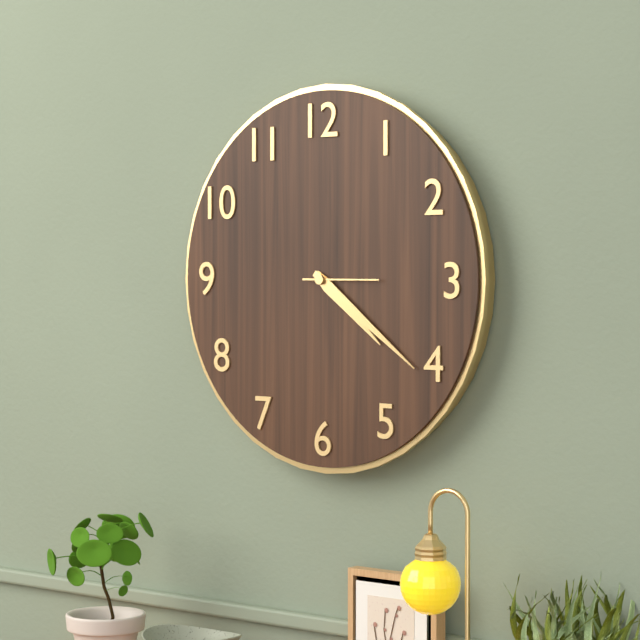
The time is 4,21,15
